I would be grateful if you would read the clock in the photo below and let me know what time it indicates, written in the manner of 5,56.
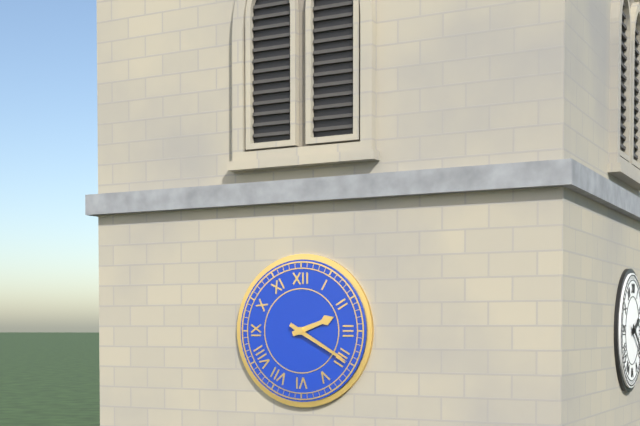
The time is 2,20
